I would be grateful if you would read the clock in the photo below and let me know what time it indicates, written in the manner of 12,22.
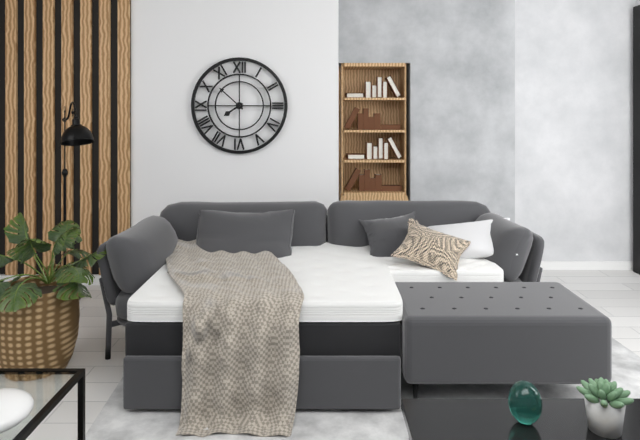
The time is 7,52
